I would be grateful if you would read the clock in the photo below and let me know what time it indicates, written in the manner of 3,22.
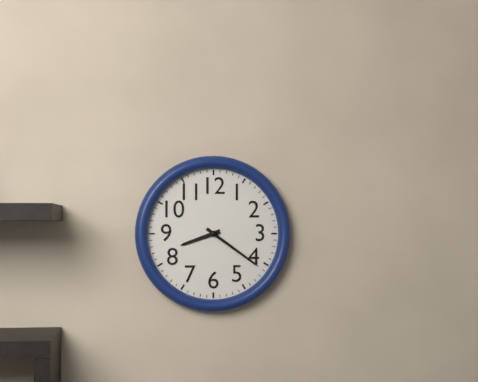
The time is 8,21
